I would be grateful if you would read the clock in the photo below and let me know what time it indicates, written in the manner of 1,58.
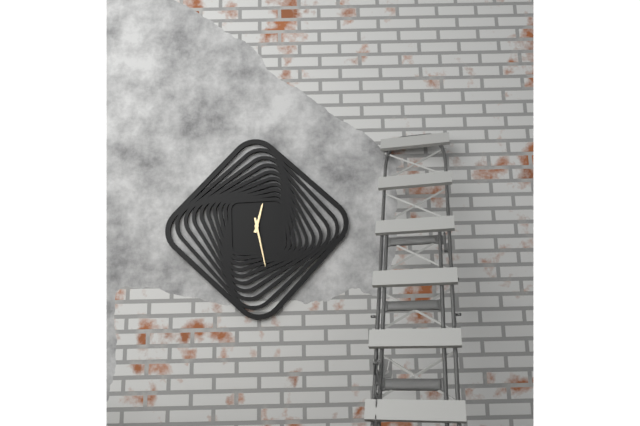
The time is 12,28
